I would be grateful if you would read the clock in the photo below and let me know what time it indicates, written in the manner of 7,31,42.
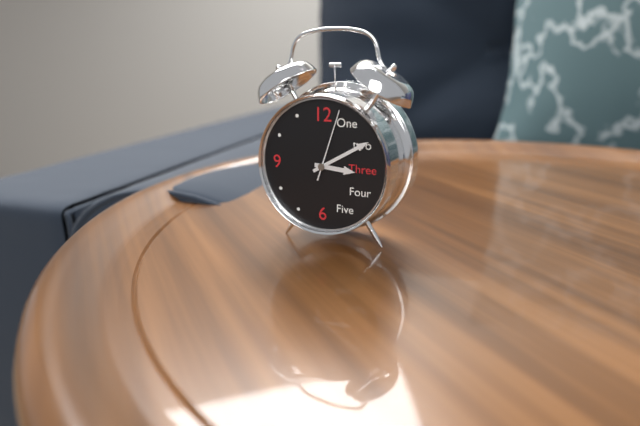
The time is 3,10,03
